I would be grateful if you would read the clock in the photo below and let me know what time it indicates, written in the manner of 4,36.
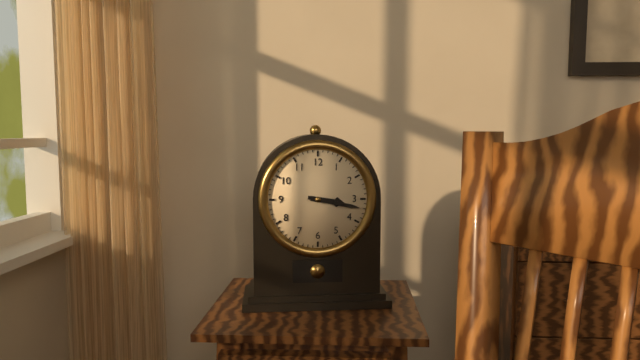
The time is 3,17
